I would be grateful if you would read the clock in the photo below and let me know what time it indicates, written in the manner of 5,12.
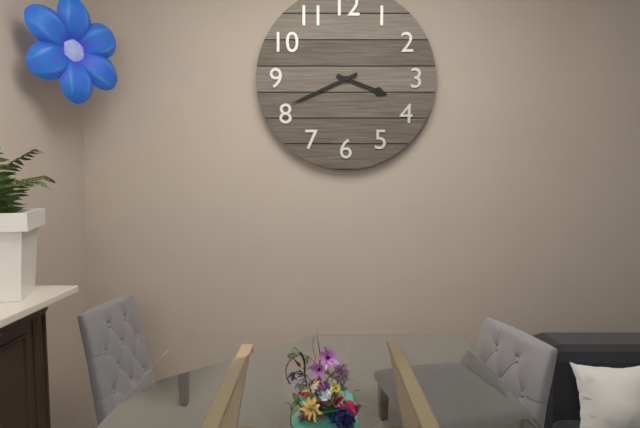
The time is 3,41
